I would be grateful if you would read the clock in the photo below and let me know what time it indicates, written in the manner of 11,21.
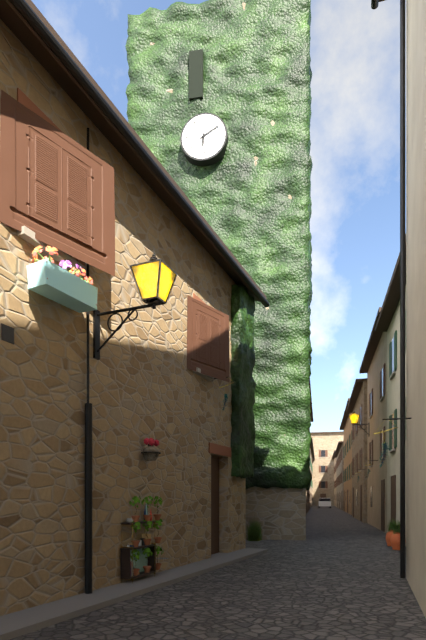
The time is 6,10
